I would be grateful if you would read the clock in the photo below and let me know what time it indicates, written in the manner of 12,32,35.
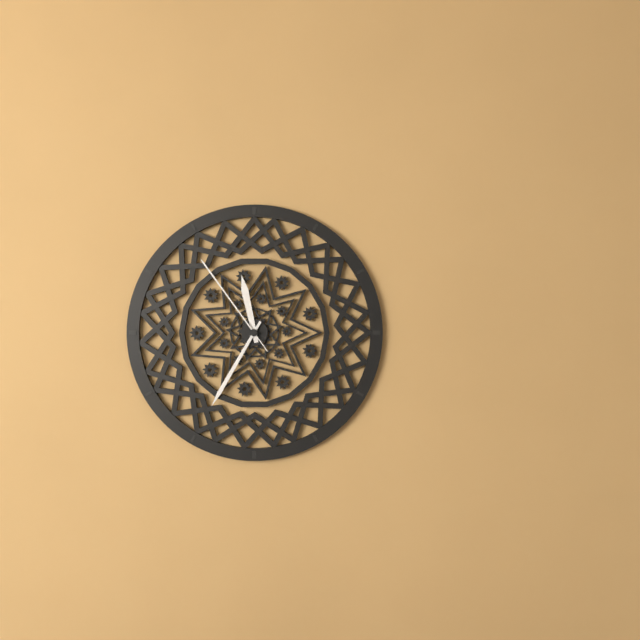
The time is 11,35,54
